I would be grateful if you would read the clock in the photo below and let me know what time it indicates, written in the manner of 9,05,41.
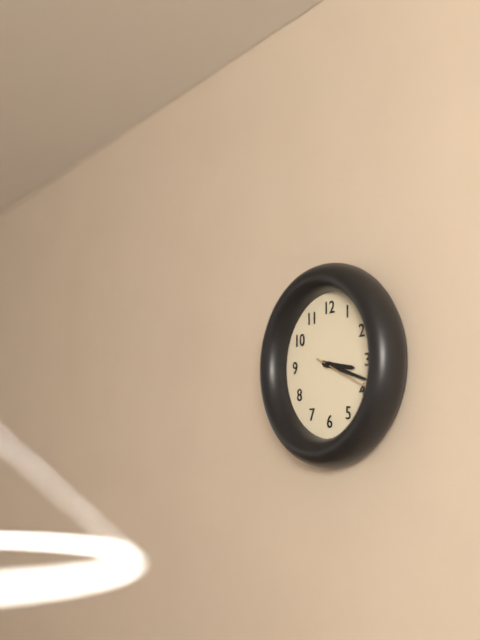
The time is 3,18,19
